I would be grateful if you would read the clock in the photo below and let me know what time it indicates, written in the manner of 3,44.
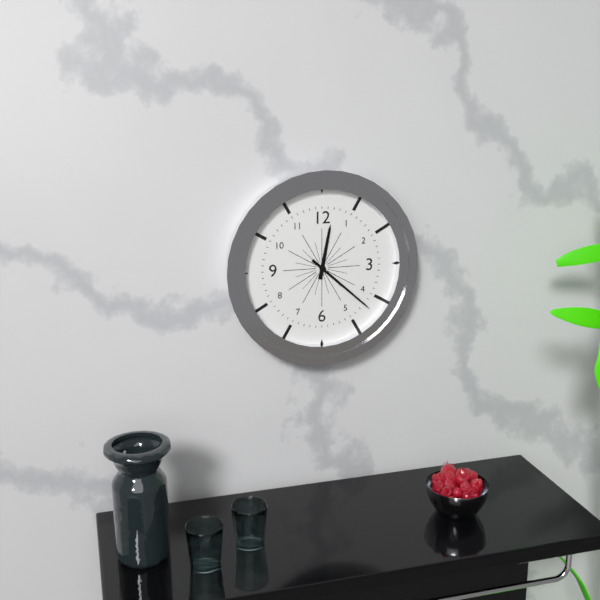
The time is 12,22
